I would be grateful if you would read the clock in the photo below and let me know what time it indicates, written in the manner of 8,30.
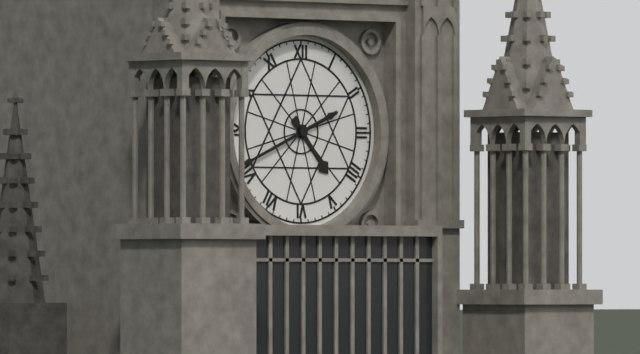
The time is 4,41
